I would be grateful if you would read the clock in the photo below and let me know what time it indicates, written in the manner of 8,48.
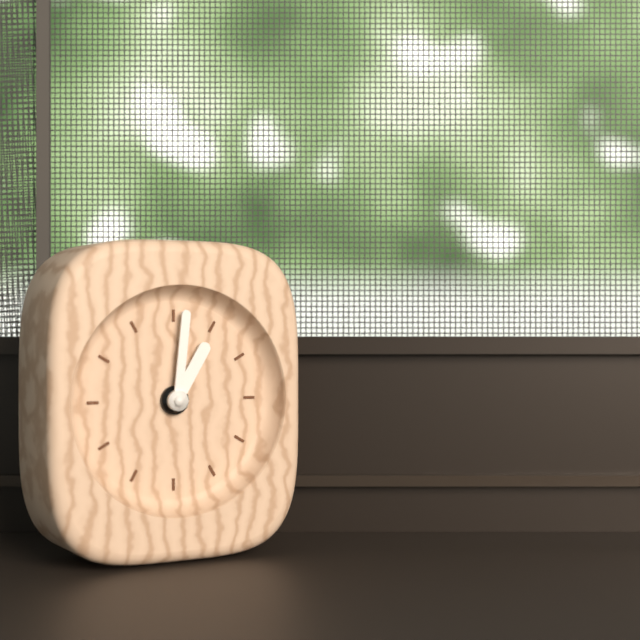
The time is 1,01
